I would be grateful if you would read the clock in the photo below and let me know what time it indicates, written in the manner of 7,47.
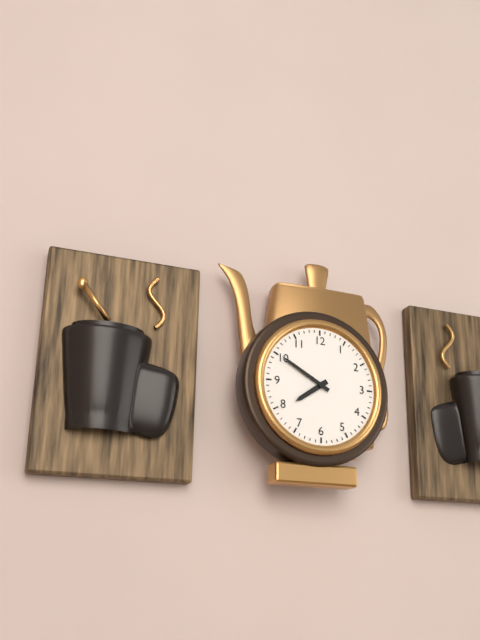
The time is 7,50
